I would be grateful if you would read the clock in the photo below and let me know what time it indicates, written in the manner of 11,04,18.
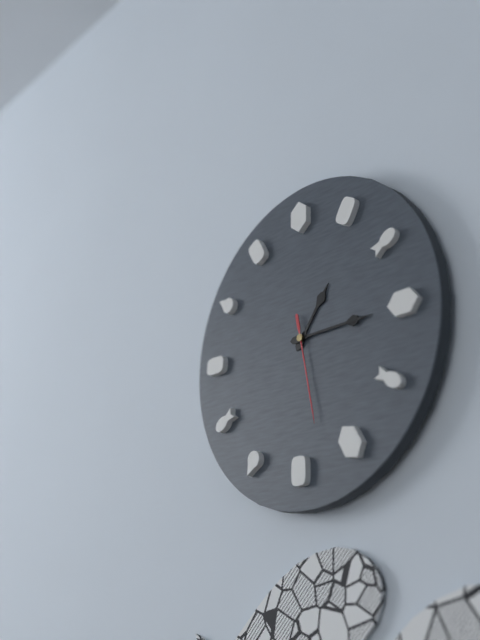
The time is 1,15,28
